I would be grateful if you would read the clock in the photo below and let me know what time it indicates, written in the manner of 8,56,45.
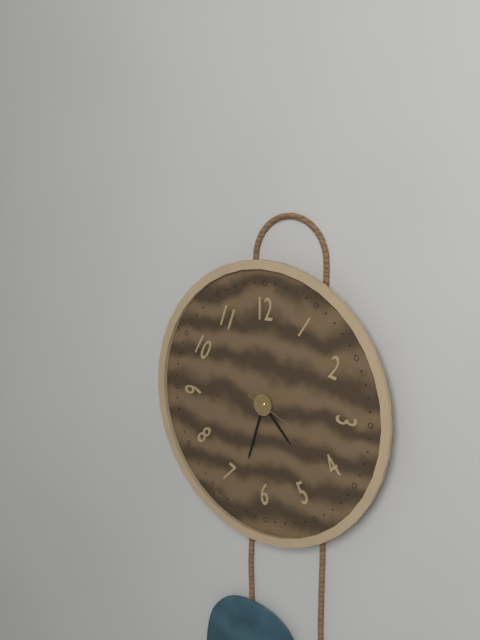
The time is 4,33,19
